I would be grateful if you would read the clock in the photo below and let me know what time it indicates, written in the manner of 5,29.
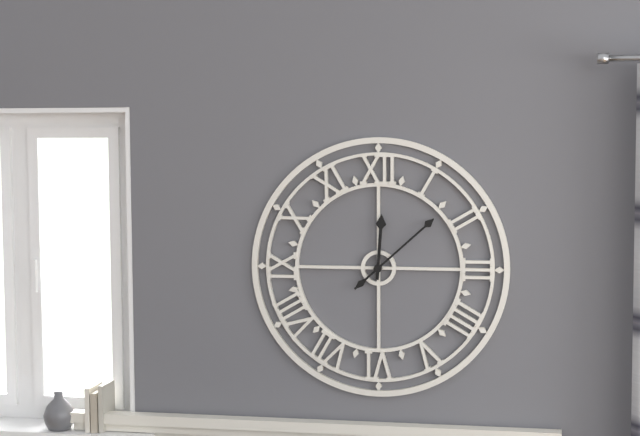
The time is 12,08
